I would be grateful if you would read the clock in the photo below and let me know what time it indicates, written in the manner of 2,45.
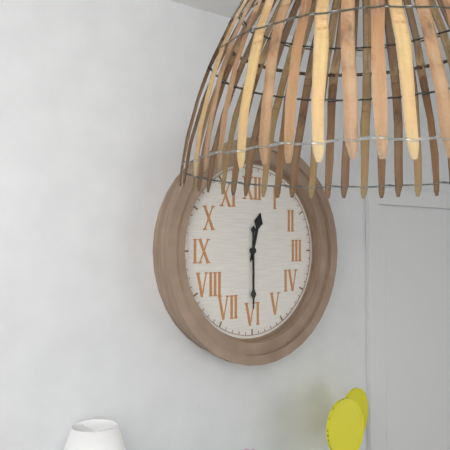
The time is 12,30
